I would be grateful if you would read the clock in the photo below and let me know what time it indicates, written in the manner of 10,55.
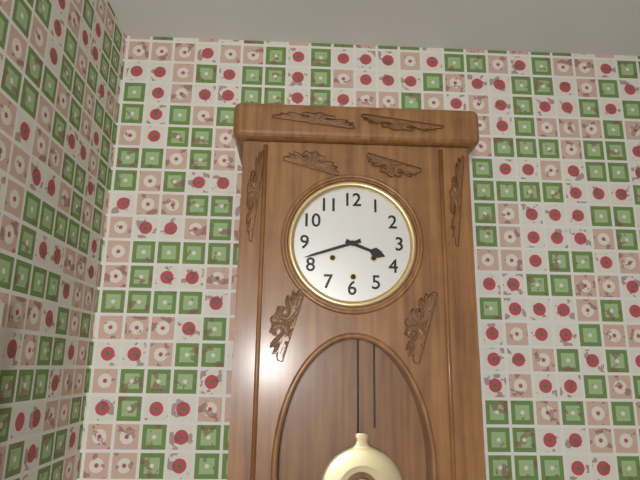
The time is 3,42
